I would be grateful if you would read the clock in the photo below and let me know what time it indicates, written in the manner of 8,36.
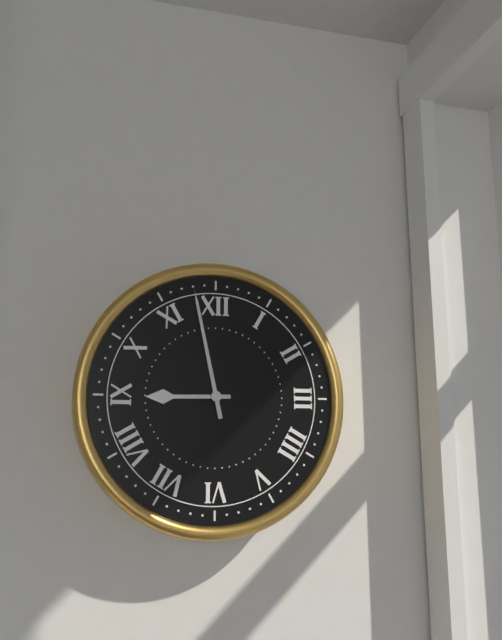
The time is 8,58
